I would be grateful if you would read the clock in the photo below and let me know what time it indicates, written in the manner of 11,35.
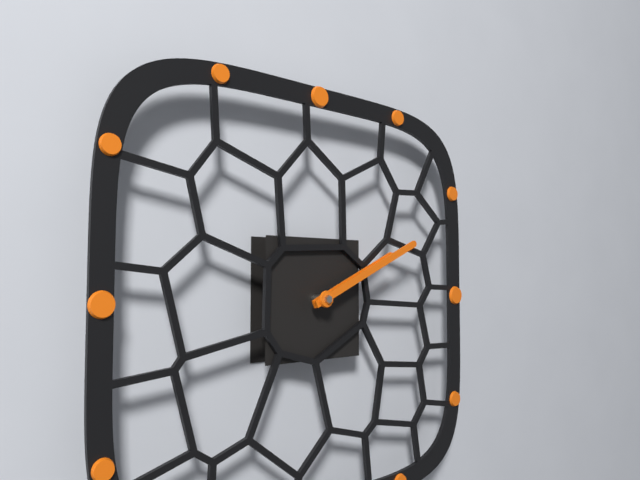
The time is 2,11
